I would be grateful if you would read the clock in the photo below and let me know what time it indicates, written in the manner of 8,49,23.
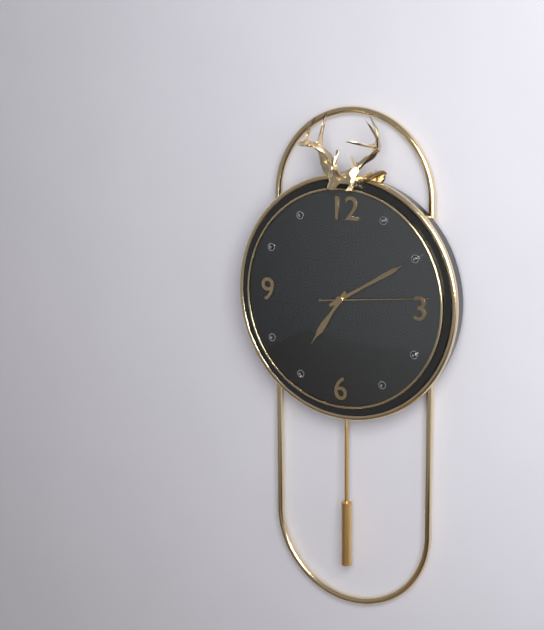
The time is 7,10,14
